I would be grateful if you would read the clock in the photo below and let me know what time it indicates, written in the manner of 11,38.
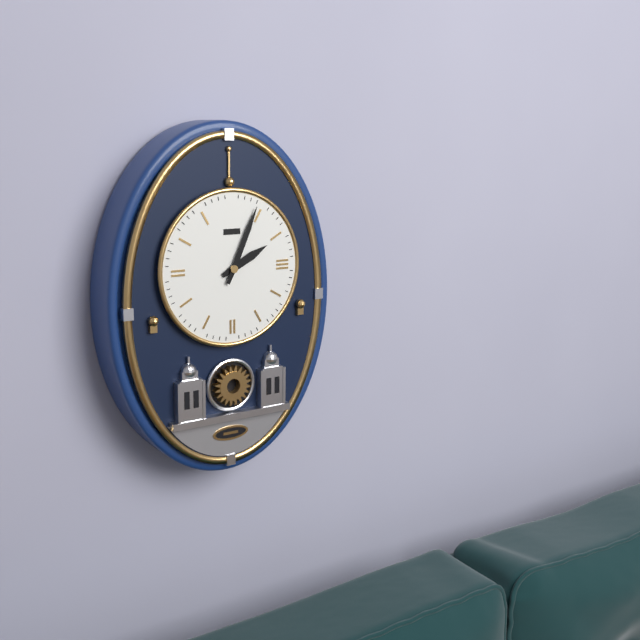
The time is 2,04
